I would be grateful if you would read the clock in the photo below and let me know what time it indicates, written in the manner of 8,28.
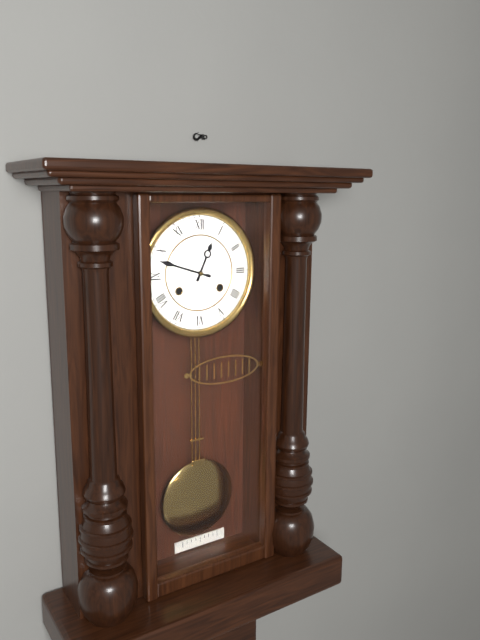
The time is 12,48
